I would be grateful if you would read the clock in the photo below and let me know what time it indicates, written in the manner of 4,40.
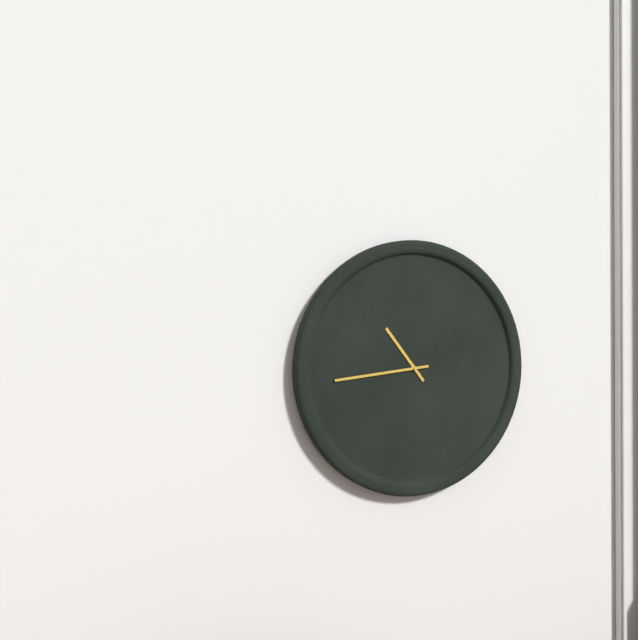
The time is 10,44
